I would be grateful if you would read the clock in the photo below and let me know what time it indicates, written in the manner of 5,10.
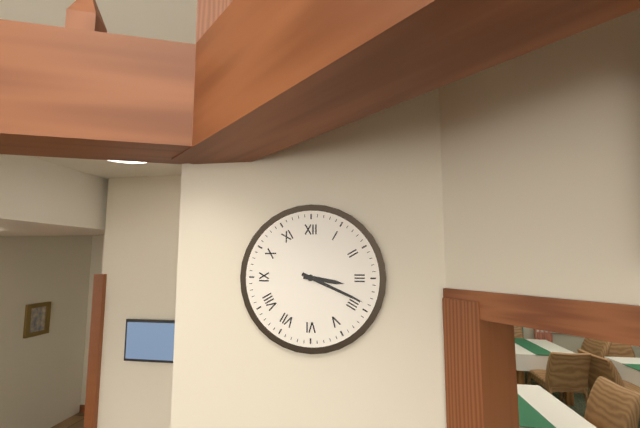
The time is 3,19
